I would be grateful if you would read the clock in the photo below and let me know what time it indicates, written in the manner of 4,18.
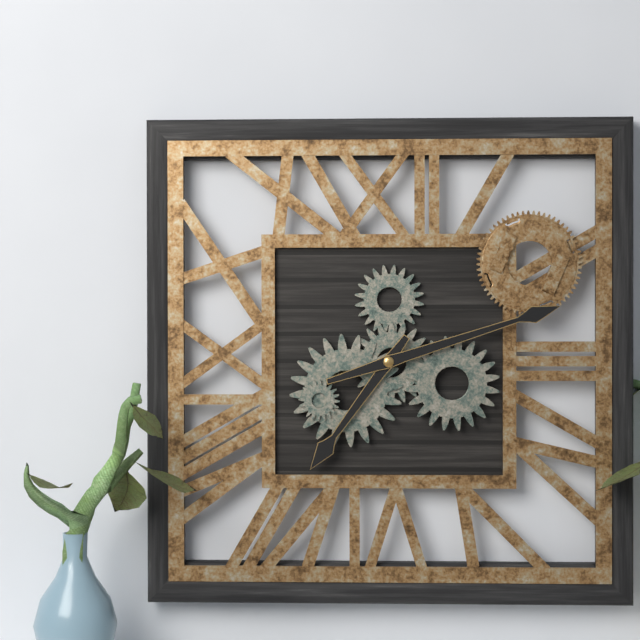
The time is 7,12
